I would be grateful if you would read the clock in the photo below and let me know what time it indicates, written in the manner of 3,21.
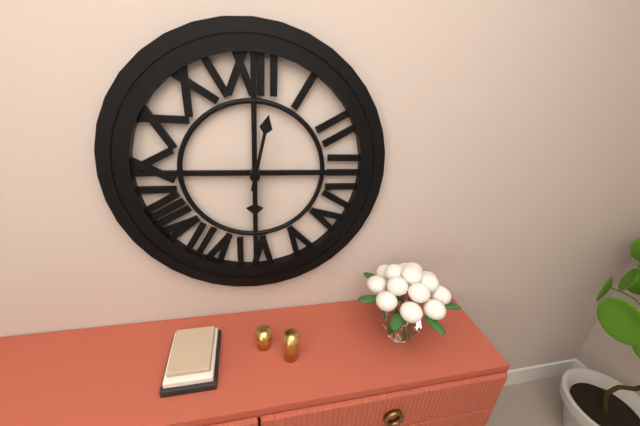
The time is 6,02
